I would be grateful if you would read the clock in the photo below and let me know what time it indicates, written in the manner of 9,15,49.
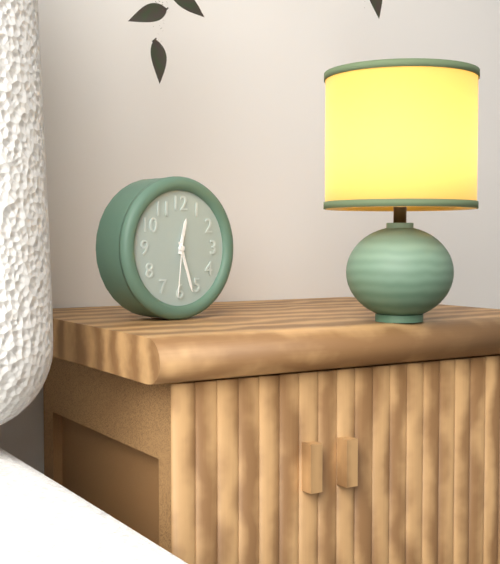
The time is 12,27,31
